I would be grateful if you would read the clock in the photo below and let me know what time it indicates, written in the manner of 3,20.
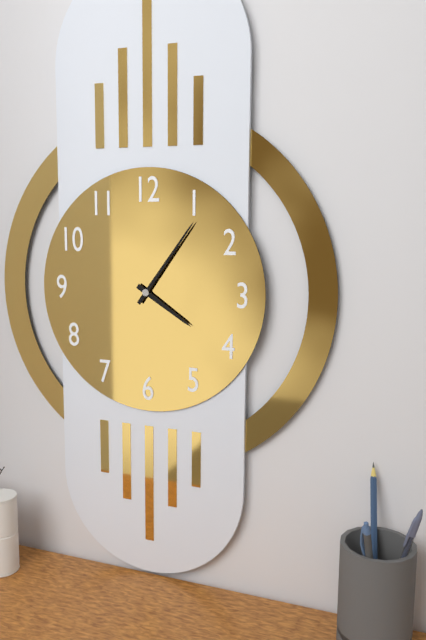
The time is 4,06
